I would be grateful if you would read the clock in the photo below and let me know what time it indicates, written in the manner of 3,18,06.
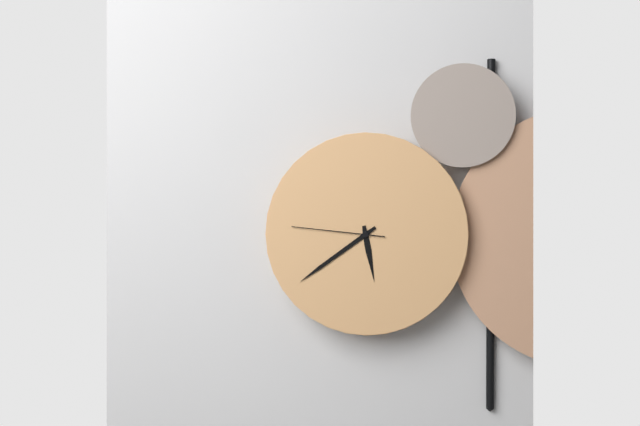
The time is 5,39,46
